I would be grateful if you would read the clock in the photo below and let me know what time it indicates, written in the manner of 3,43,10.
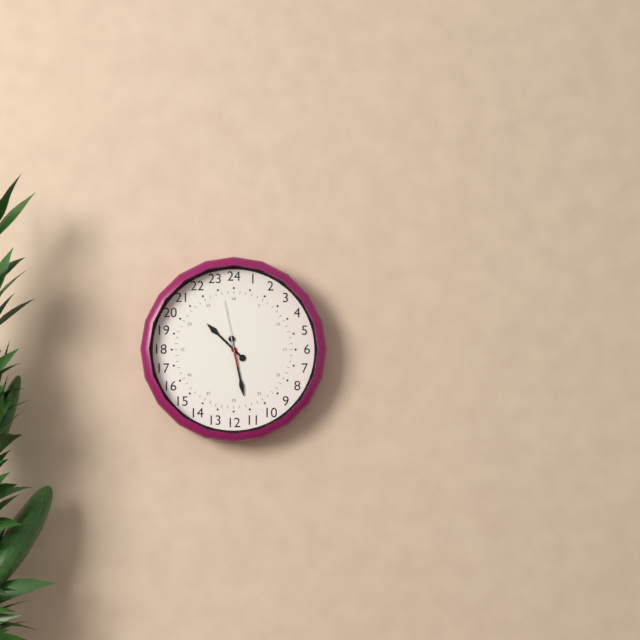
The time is 10,28,58
